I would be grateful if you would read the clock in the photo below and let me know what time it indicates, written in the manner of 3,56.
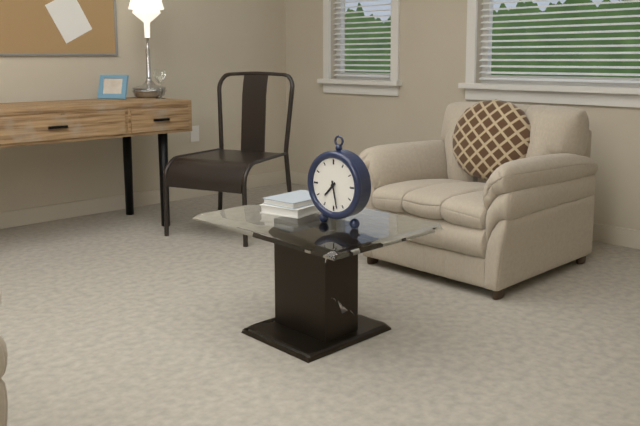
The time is 7,28
